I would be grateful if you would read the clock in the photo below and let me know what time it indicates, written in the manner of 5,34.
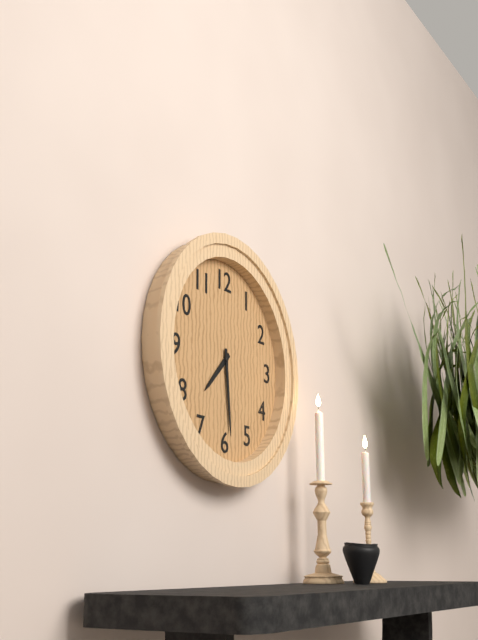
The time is 7,29
